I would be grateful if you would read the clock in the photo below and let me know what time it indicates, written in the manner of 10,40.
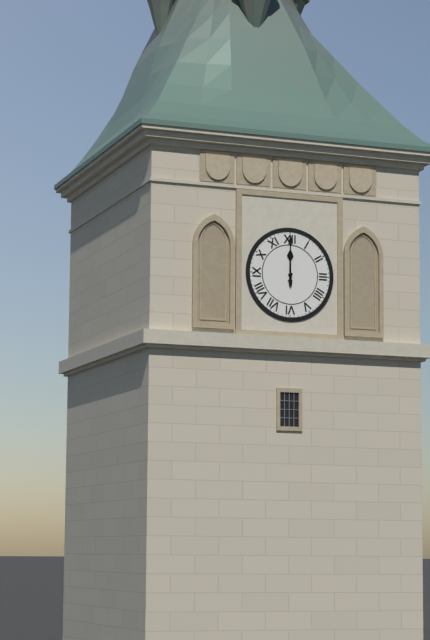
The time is 12,00
